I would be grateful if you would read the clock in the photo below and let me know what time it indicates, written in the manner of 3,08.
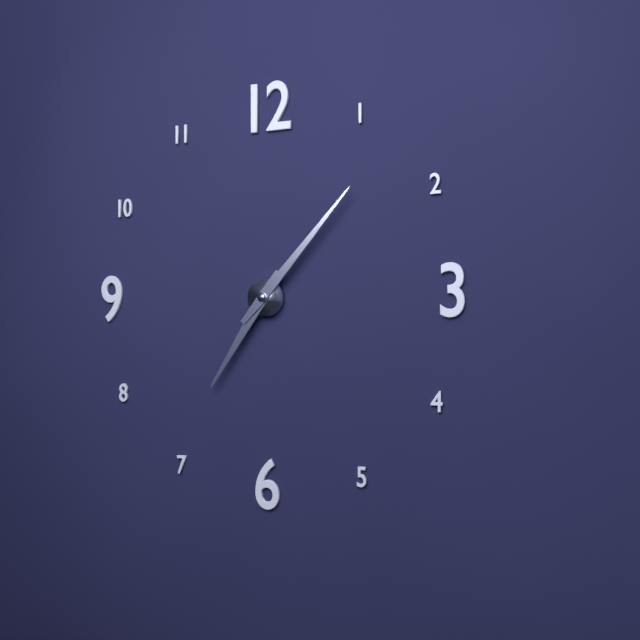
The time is 7,07
